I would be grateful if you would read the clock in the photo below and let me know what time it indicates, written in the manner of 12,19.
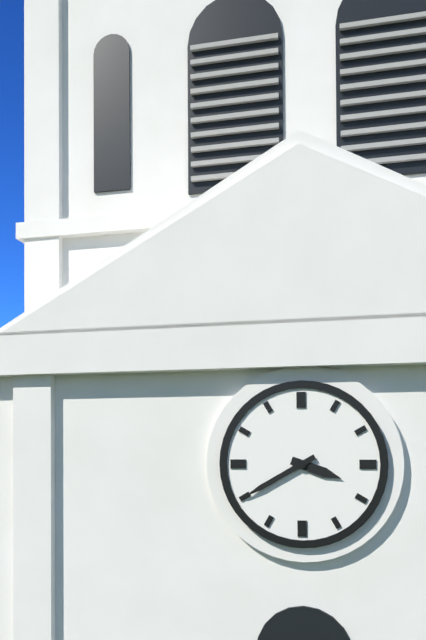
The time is 3,40
